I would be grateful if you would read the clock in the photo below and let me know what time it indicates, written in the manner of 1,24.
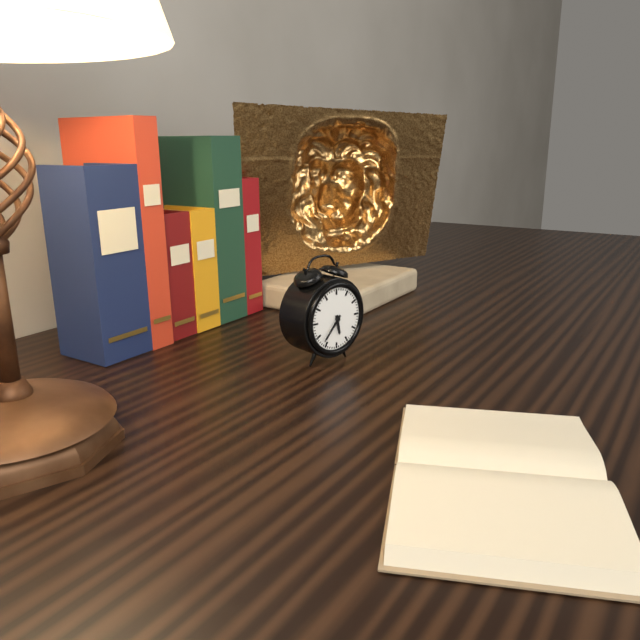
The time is 5,37
